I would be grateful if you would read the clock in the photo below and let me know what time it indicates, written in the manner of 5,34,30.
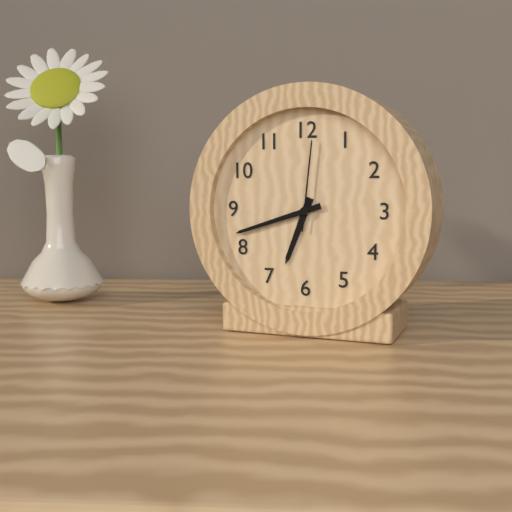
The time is 6,42,01
